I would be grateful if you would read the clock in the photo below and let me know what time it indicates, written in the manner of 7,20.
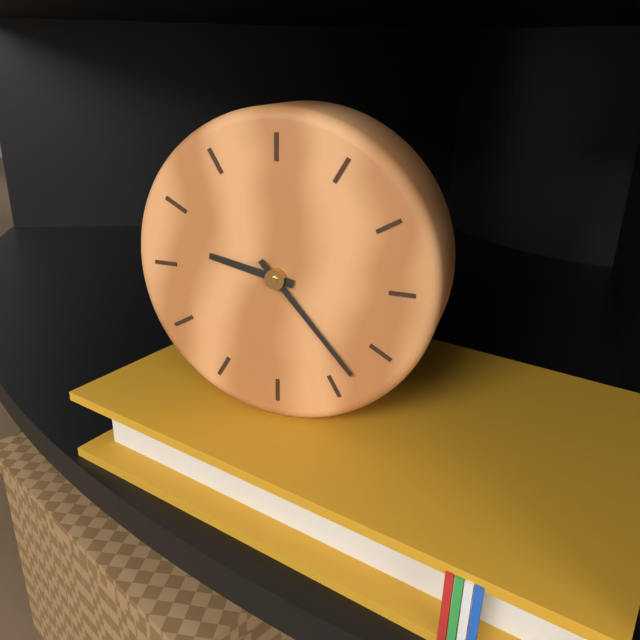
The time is 9,23
